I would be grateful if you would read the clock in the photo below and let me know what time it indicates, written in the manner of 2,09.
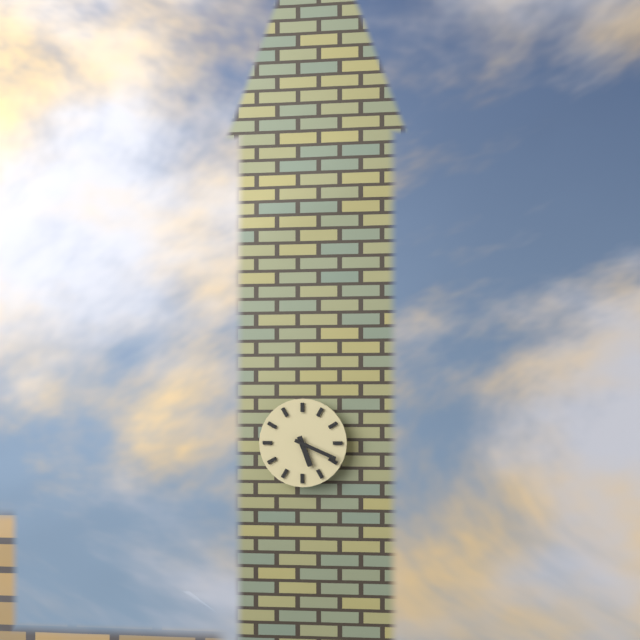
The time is 5,19
